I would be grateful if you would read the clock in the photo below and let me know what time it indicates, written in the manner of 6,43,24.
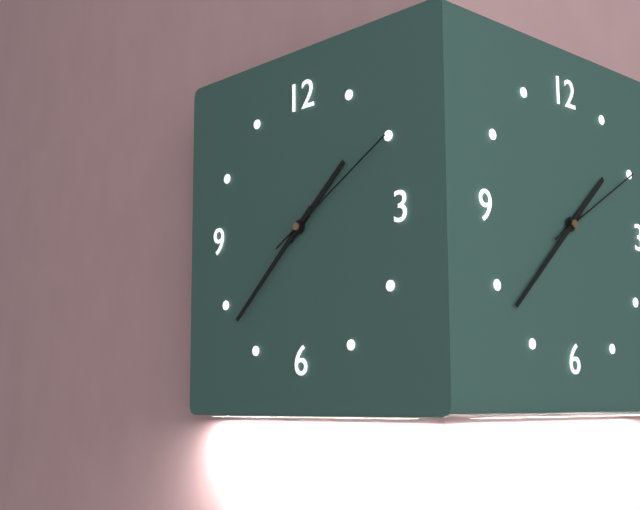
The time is 1,38,10
